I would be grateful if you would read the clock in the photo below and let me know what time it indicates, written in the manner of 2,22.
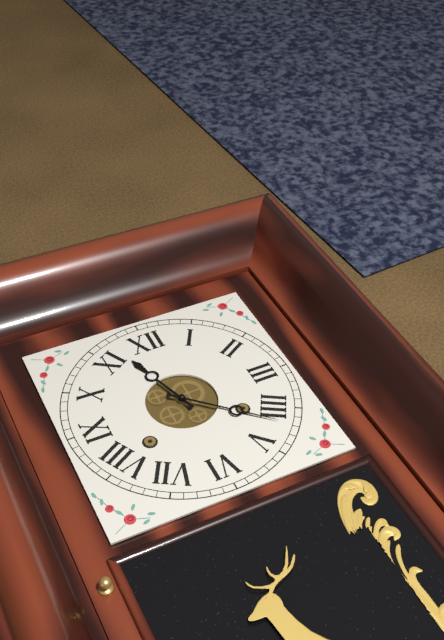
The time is 11,22
